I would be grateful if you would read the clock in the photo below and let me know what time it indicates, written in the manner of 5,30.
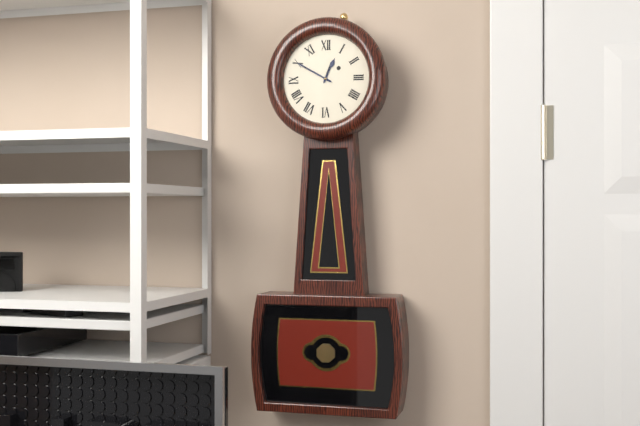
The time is 12,50
